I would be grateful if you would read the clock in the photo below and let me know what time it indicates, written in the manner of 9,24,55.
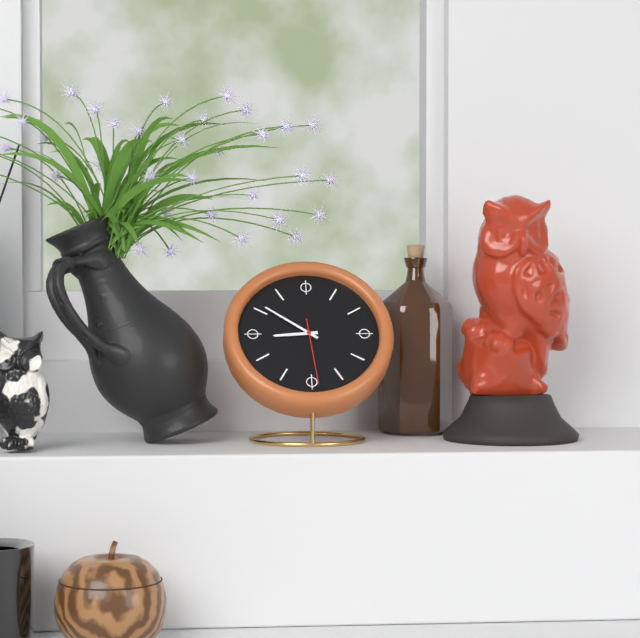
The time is 8,51,29
